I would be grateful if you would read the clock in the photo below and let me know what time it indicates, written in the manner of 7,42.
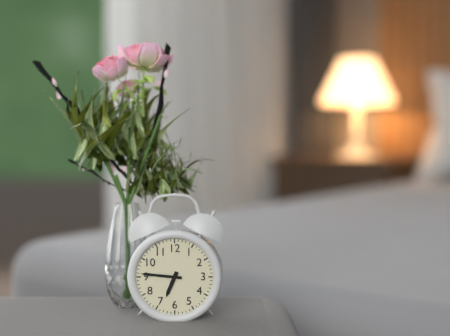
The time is 6,46
